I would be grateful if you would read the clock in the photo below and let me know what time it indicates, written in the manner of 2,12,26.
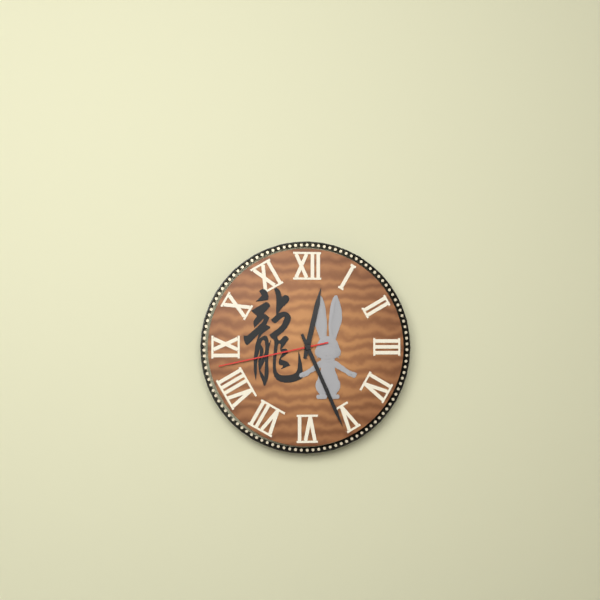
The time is 12,26,43
